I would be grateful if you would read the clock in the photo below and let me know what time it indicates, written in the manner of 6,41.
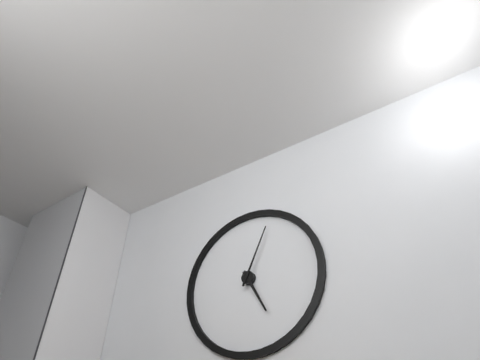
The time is 5,04
